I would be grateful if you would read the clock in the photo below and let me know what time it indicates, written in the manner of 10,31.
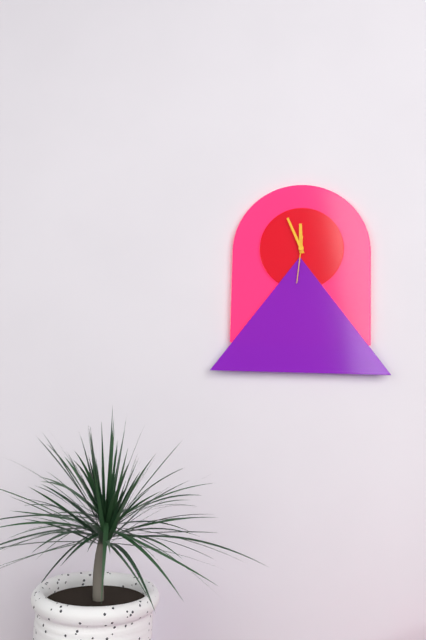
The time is 11,56
